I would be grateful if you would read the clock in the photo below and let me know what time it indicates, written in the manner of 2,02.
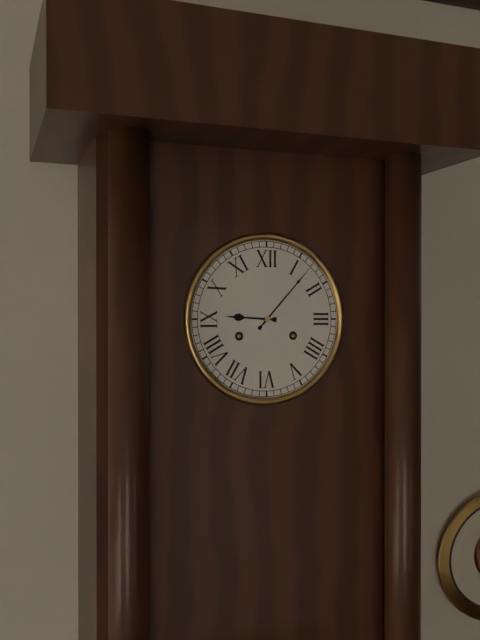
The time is 9,07
